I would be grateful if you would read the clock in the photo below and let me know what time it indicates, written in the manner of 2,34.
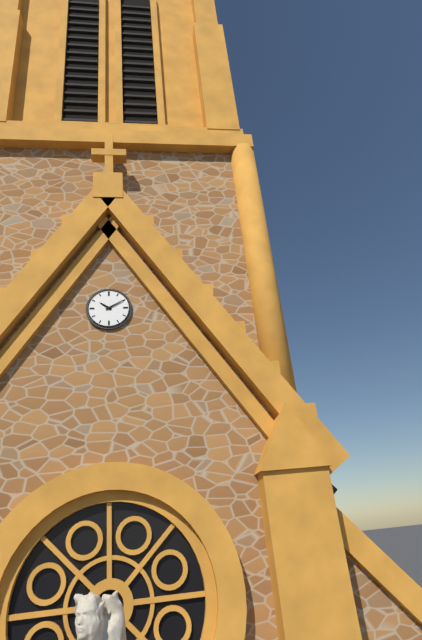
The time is 10,10
